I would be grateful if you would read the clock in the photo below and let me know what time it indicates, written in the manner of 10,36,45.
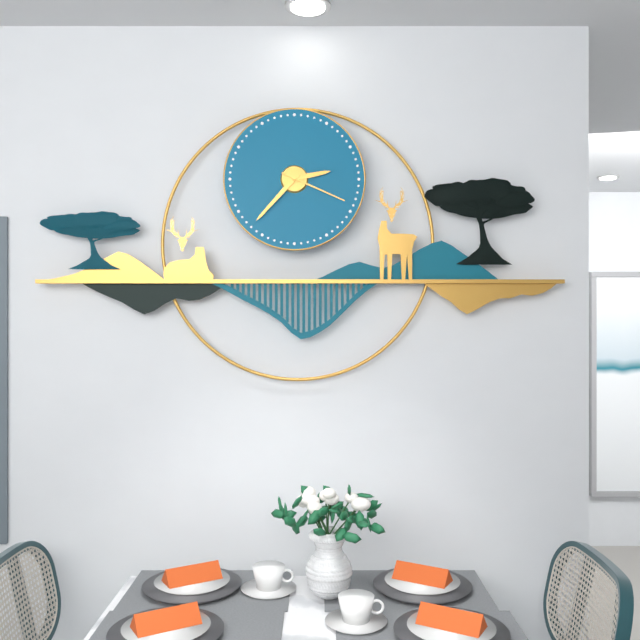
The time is 2,37,19
